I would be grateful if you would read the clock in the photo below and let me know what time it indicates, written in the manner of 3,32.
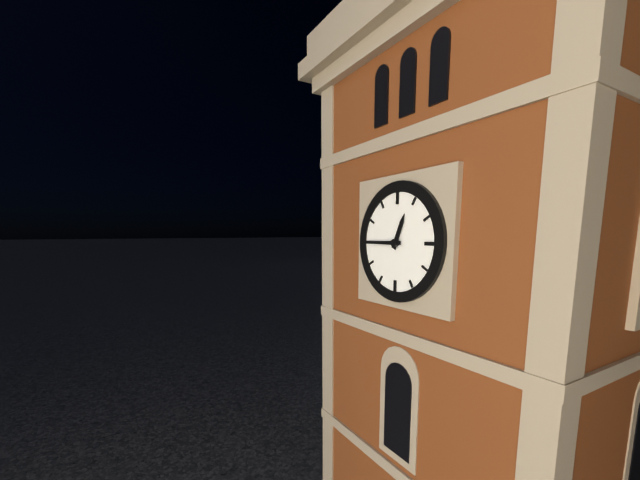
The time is 12,45
